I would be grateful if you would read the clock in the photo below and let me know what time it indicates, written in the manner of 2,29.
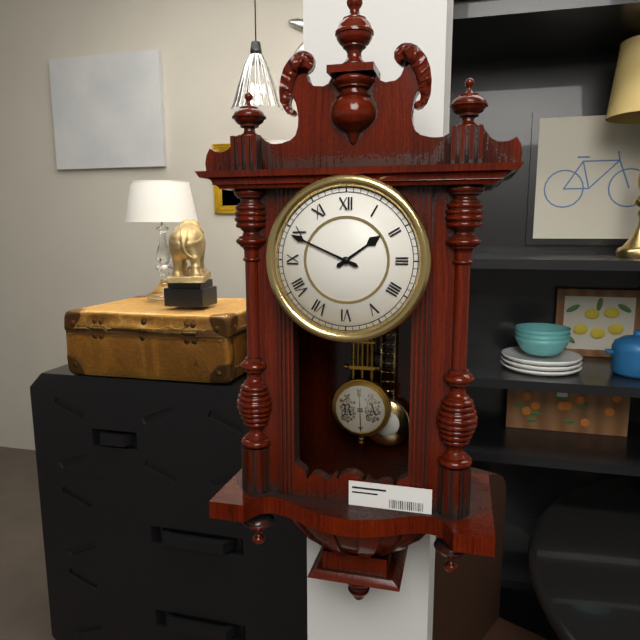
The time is 1,49
